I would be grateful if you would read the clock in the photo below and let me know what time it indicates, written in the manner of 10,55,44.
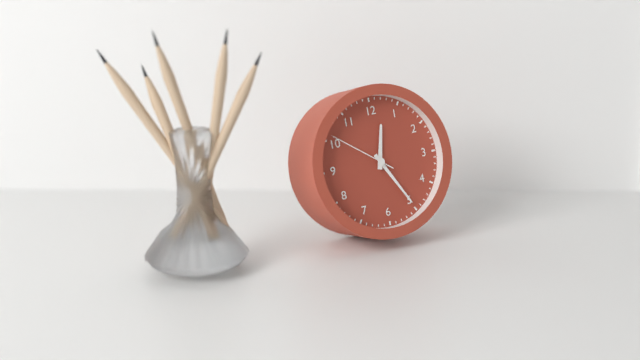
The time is 12,25,51
